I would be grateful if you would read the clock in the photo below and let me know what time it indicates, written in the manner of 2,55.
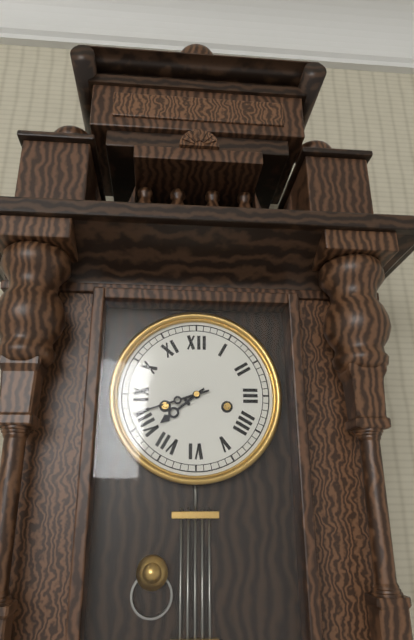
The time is 7,42
